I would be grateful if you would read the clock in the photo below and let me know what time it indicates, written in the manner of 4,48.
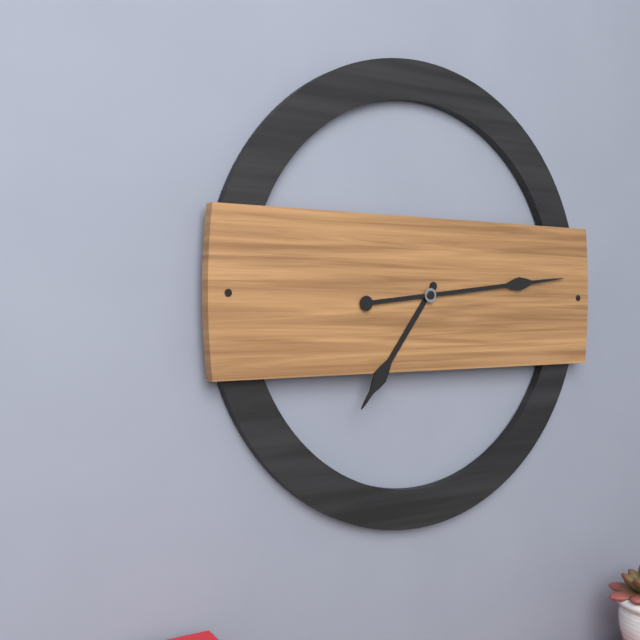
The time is 7,14
